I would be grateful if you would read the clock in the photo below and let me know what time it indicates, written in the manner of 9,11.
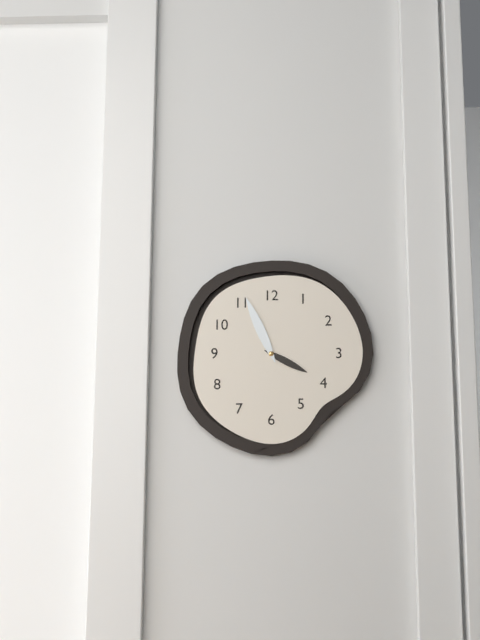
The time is 3,56
